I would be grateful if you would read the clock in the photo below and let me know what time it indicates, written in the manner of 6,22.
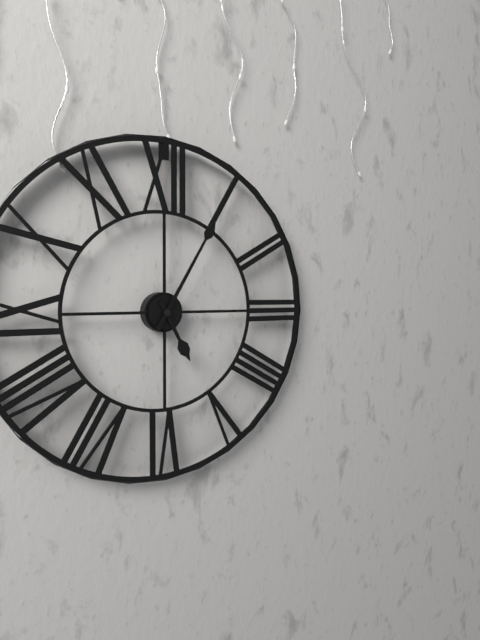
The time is 5,05
